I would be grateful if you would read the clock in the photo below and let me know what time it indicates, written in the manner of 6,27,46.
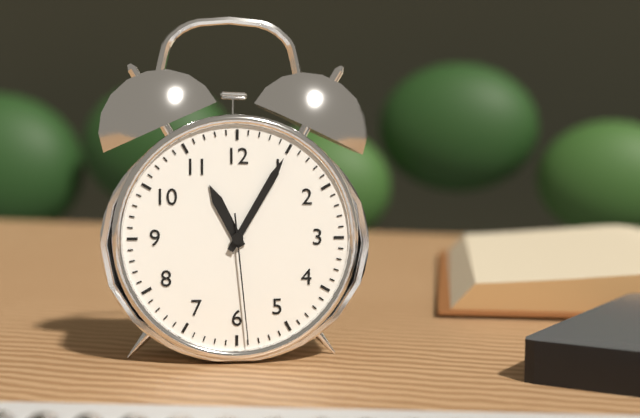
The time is 11,05,29
